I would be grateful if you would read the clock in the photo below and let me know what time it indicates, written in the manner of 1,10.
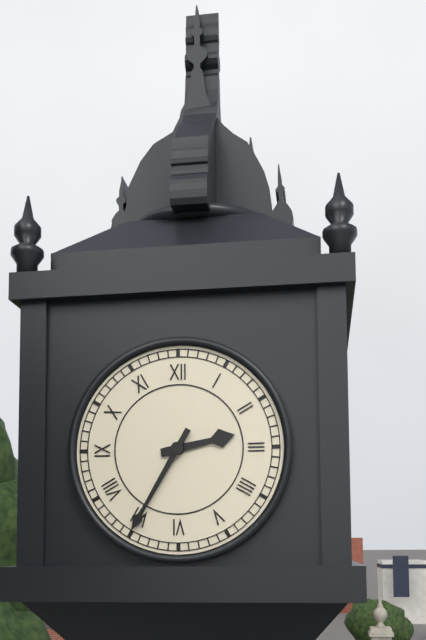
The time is 2,35
